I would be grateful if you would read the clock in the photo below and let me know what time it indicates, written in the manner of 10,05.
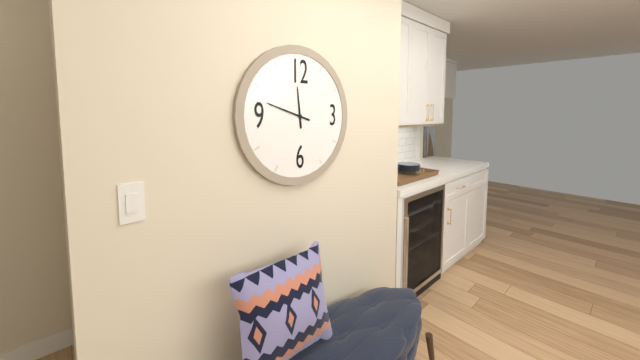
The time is 11,48
